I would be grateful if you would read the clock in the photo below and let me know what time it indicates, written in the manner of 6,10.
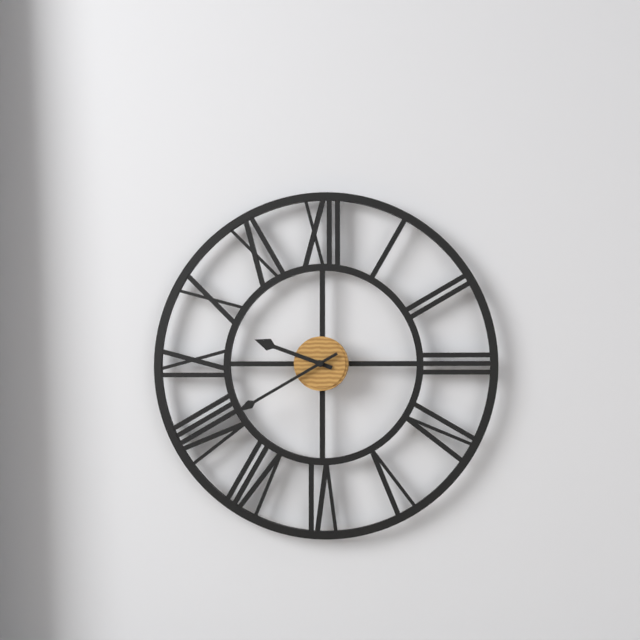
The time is 9,40
